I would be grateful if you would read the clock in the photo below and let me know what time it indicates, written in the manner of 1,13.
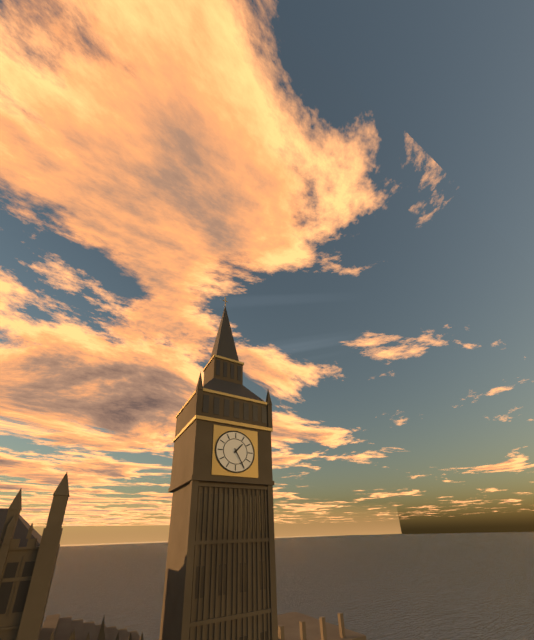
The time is 1,25
